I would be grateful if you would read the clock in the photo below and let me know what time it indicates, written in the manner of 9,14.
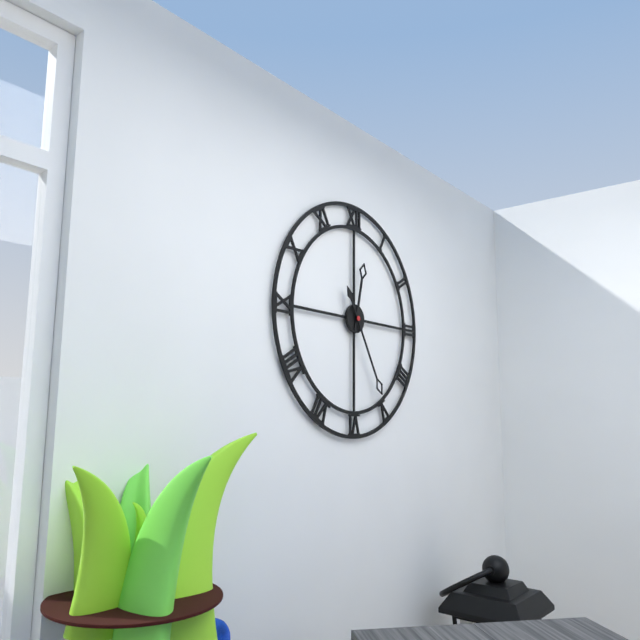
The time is 12,25
